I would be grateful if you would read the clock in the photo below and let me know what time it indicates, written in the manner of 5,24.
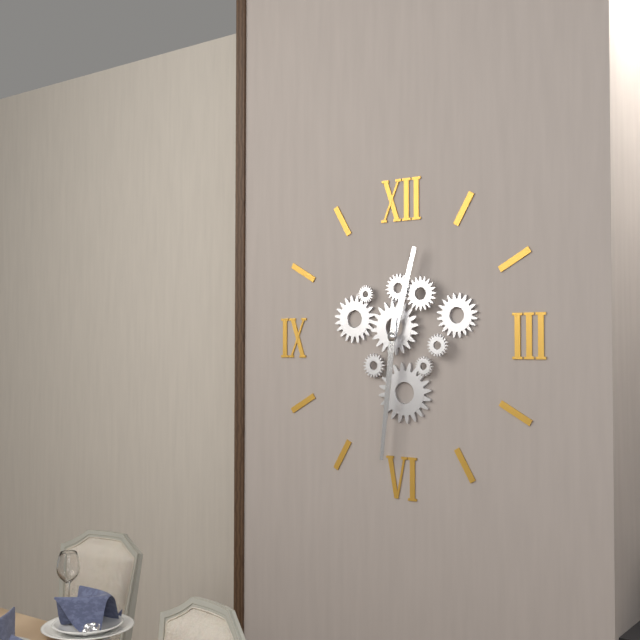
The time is 12,31
